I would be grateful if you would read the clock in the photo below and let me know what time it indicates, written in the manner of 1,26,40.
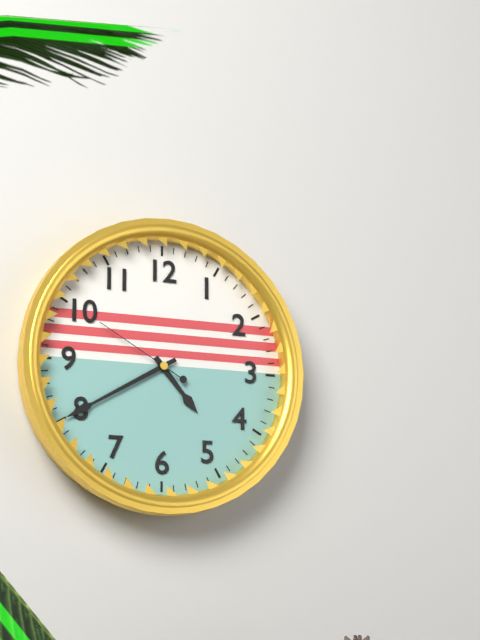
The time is 4,40,50
